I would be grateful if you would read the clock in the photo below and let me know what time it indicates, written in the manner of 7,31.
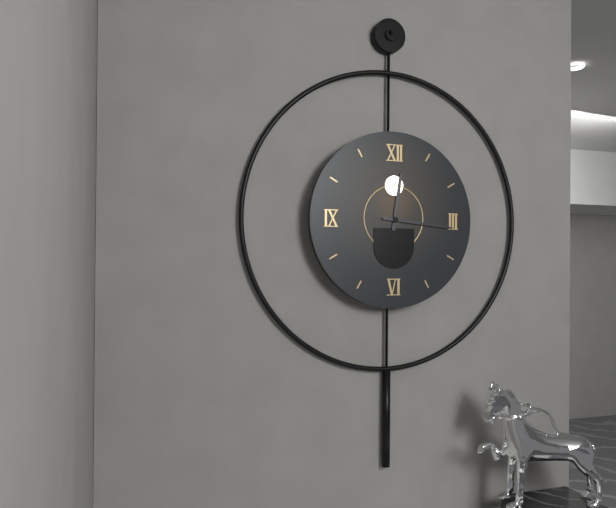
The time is 12,16
